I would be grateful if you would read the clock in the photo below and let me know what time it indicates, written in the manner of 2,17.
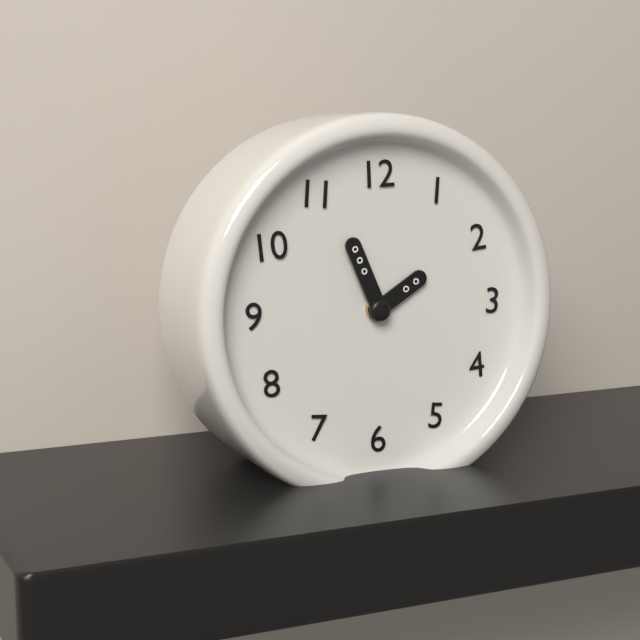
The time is 1,56
